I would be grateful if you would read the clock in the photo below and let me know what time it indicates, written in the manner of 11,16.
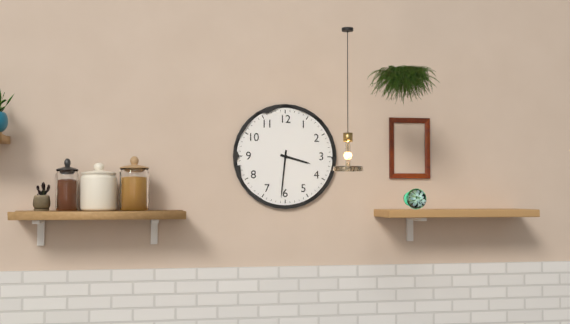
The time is 3,31
